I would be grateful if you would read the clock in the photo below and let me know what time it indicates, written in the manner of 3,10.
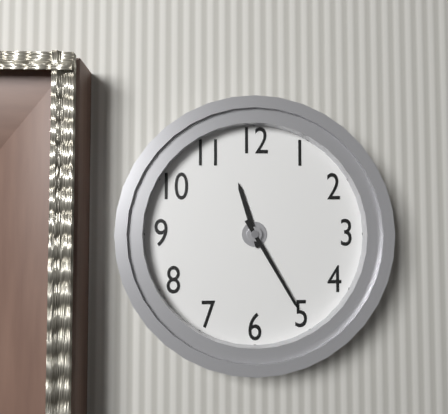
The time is 11,25
